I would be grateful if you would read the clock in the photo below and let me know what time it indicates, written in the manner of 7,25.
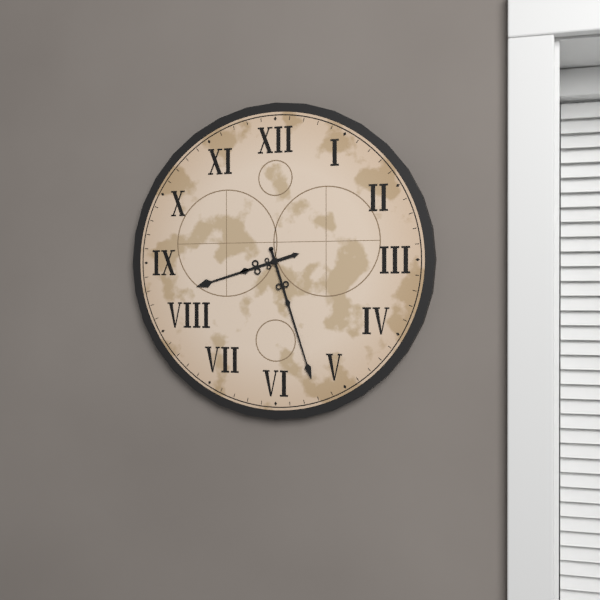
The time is 8,27
